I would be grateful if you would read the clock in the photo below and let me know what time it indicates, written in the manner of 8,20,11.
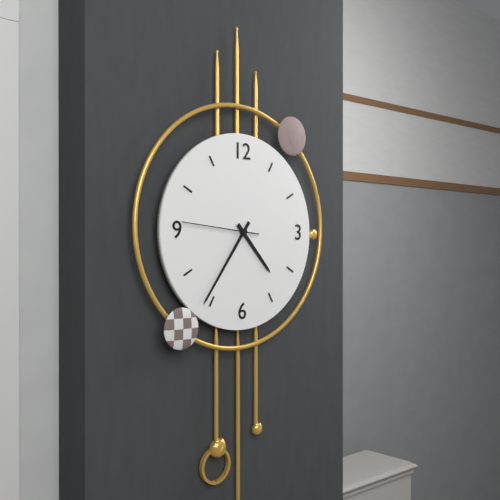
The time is 4,36,46
